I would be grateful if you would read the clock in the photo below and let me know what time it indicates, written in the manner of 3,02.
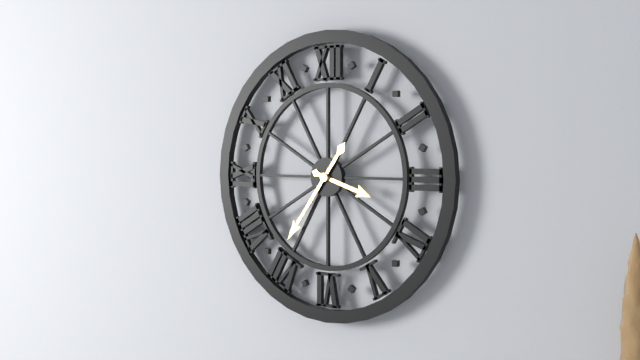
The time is 3,36
